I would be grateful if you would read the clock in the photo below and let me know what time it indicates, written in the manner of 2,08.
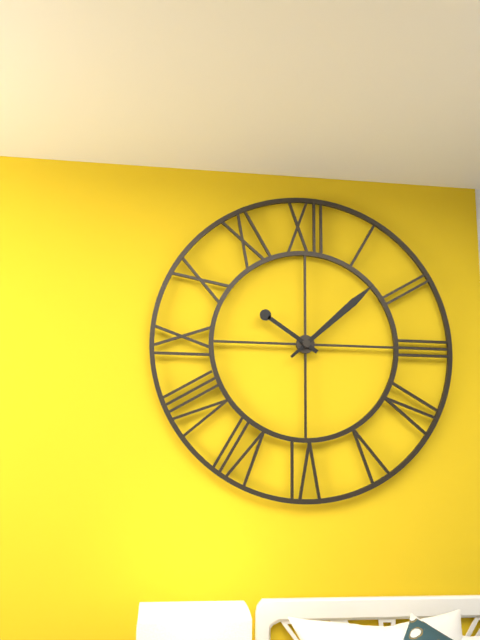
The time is 10,08
